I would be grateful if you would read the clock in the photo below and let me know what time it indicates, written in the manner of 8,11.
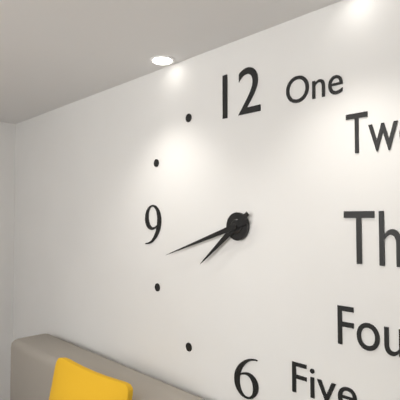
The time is 7,42
